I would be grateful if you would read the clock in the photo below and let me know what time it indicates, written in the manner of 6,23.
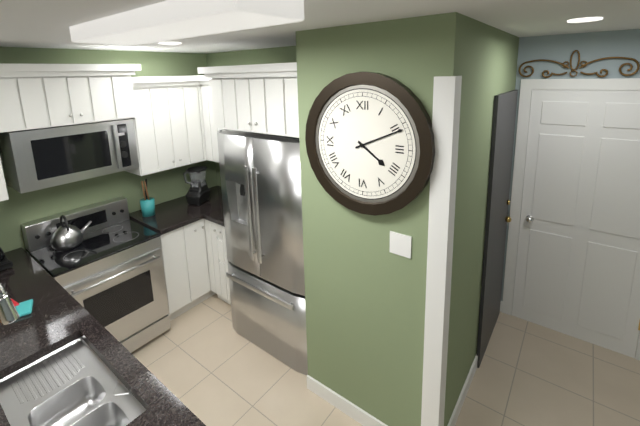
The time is 4,11
